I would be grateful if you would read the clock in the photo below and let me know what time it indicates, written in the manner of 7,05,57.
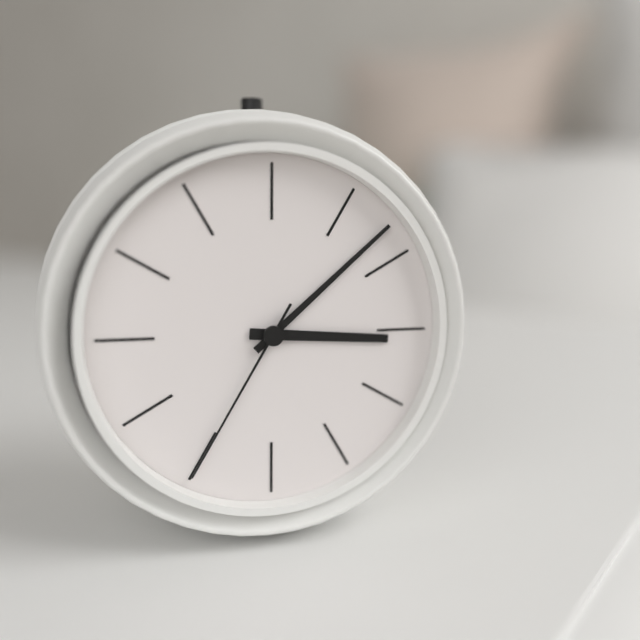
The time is 3,08,35
